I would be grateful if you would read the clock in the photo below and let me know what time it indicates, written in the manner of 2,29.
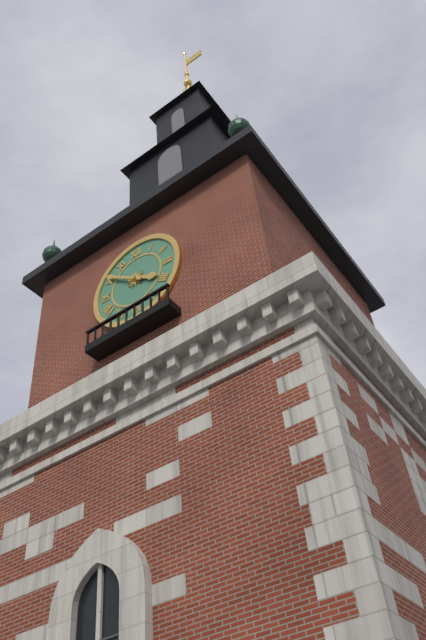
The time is 3,51
